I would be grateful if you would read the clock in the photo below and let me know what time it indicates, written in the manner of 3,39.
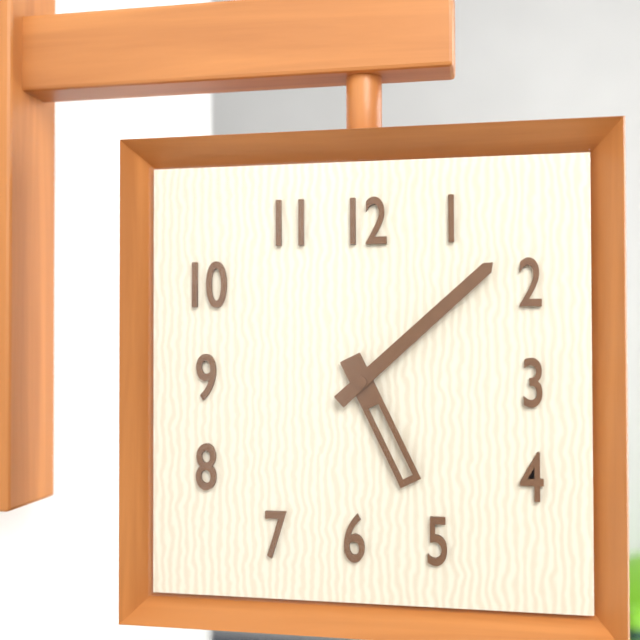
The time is 5,08
